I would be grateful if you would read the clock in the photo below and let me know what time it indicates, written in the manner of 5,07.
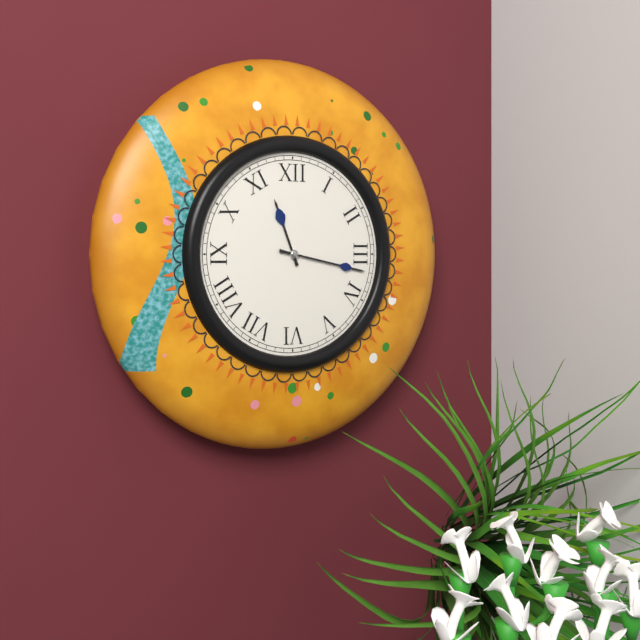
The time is 11,17
